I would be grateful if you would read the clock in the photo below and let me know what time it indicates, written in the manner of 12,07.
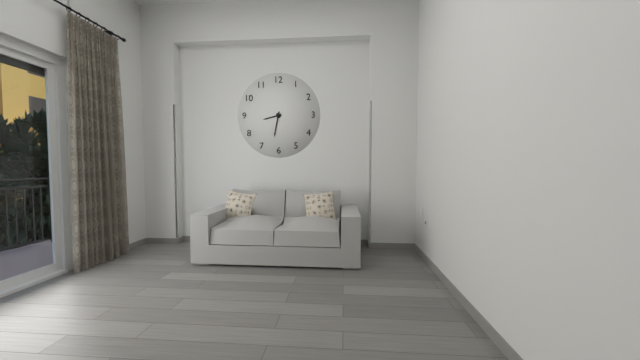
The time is 8,32
